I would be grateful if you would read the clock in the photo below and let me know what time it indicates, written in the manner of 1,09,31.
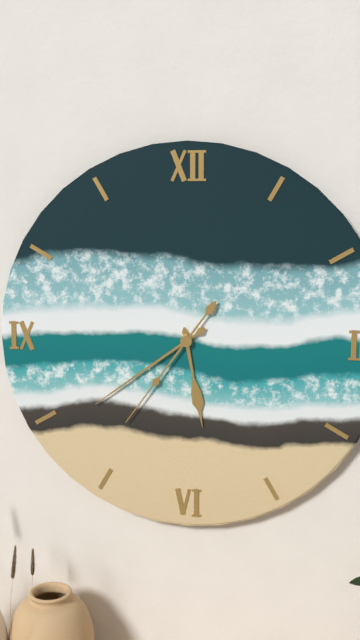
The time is 5,39,36
